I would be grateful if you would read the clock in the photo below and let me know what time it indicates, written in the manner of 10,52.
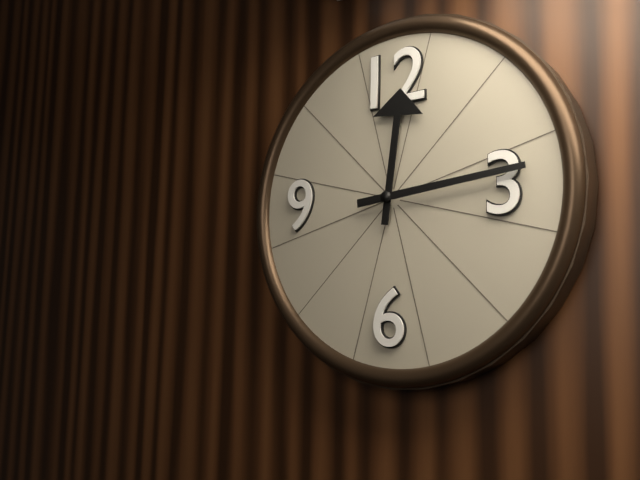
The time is 12,14
